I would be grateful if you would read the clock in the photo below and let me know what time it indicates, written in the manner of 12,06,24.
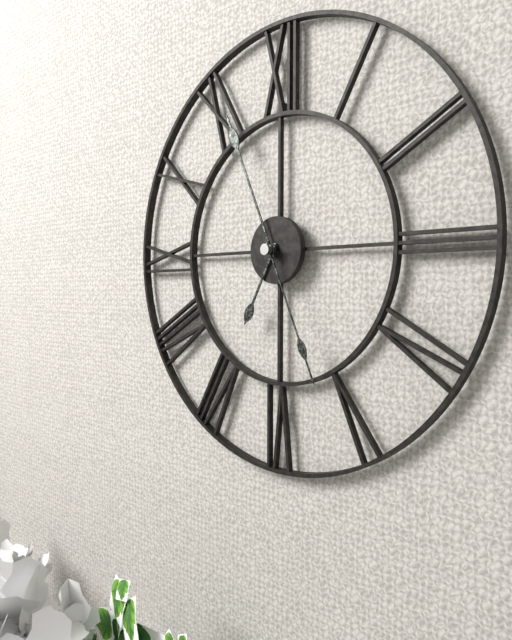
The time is 6,56,26
